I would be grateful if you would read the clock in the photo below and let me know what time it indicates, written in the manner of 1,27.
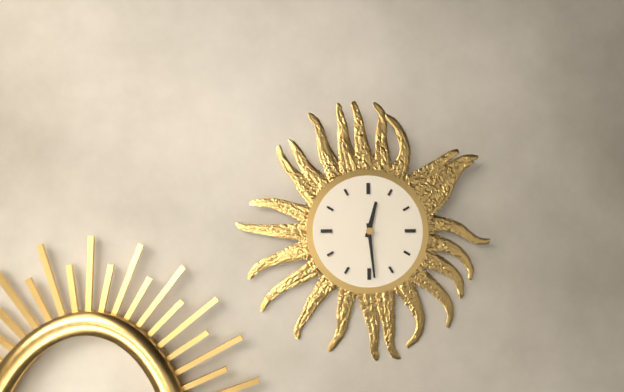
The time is 12,29
